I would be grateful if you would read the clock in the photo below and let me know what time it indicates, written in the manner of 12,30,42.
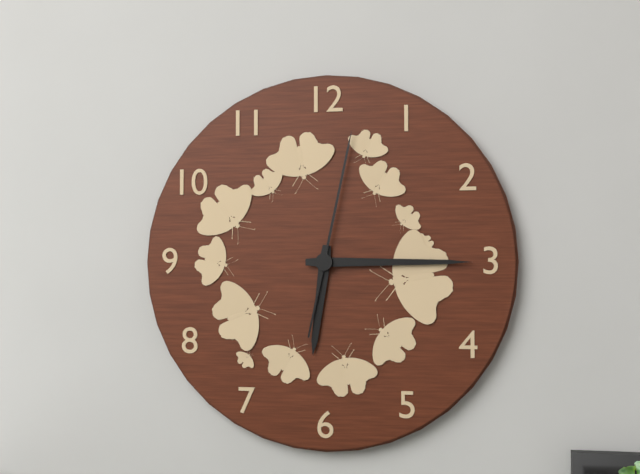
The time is 6,15,02
